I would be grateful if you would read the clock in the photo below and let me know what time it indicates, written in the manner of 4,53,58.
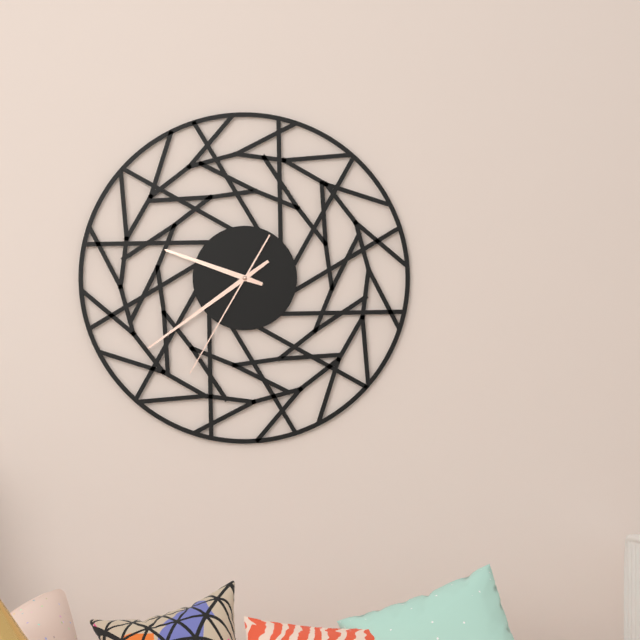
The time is 9,39,35
